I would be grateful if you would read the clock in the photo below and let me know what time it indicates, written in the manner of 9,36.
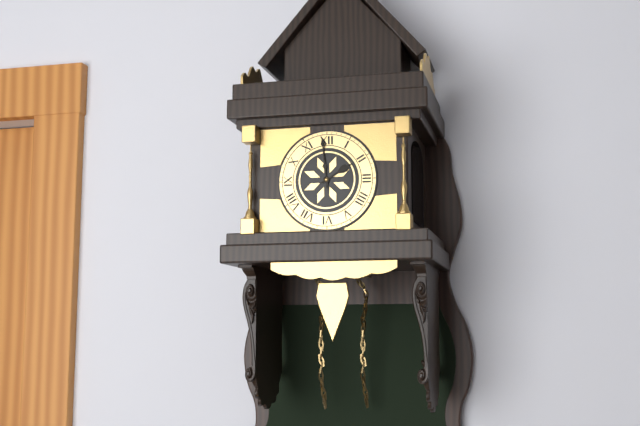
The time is 1,59
